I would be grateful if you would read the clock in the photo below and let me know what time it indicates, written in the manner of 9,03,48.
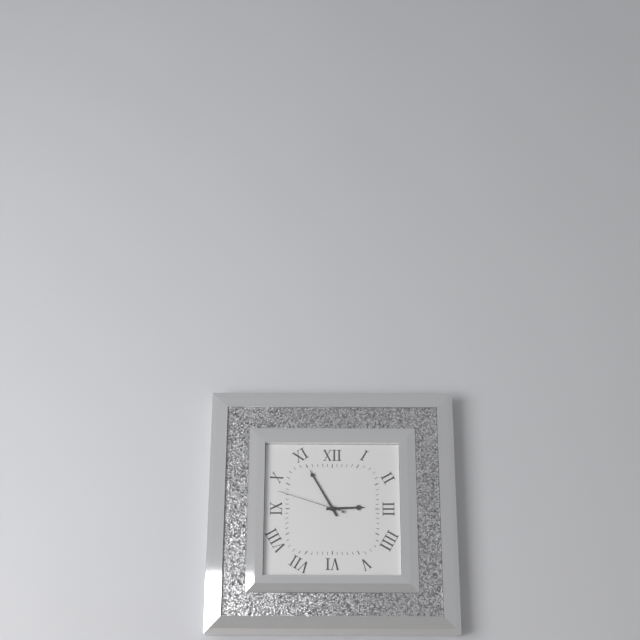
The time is 2,55,48
